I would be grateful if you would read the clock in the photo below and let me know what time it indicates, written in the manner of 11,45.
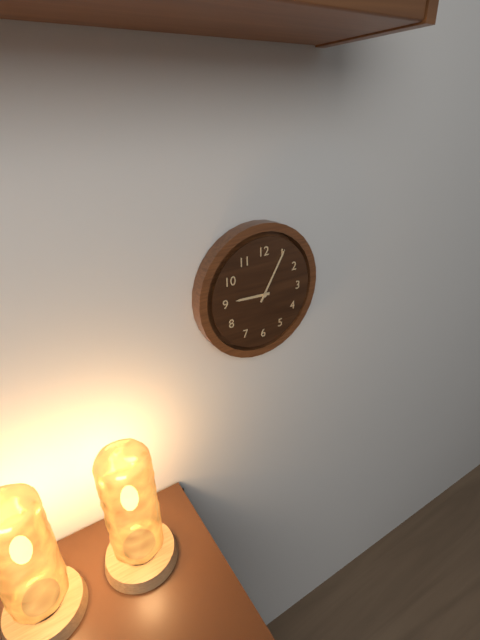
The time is 9,05
